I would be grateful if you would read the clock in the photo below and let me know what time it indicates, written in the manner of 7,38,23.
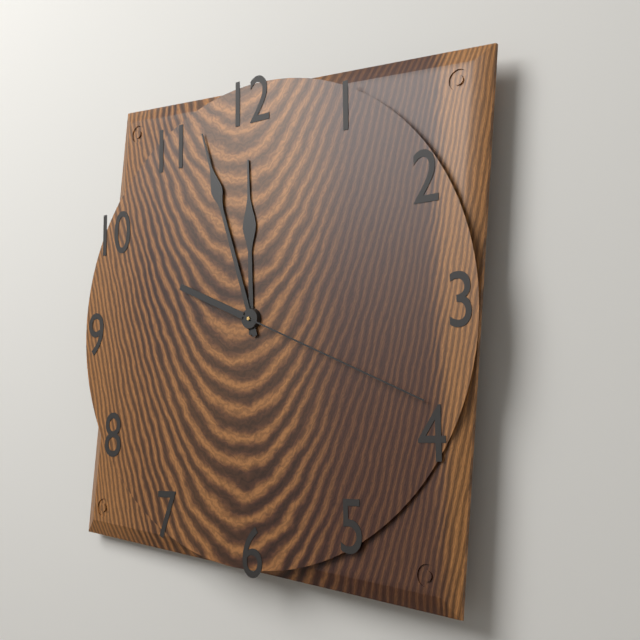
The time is 11,57,19
